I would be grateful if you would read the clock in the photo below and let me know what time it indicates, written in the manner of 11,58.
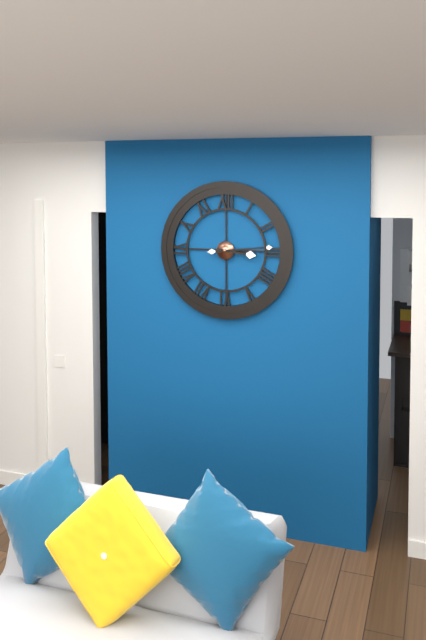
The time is 3,14
